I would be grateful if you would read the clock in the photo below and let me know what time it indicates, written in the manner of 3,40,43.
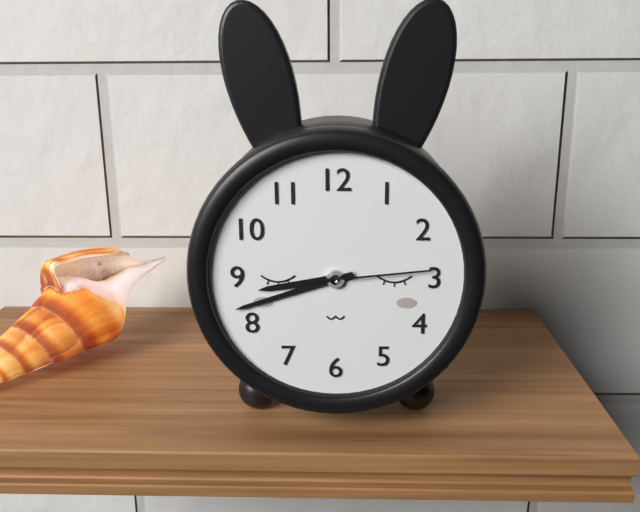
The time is 8,42,14
